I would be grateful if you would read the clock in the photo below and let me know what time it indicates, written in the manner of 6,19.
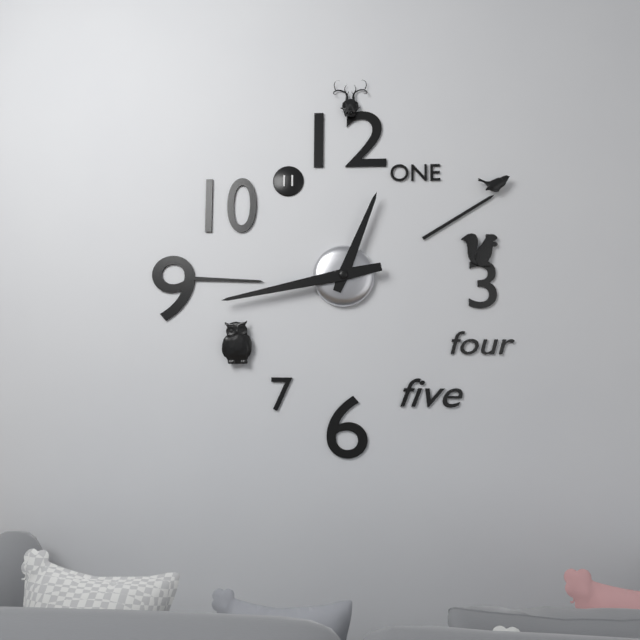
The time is 12,43
